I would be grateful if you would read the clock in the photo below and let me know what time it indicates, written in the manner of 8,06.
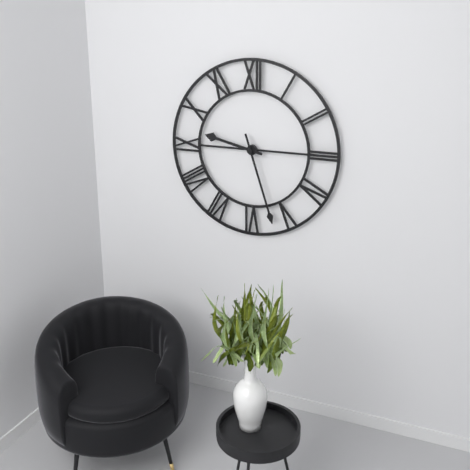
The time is 9,27
